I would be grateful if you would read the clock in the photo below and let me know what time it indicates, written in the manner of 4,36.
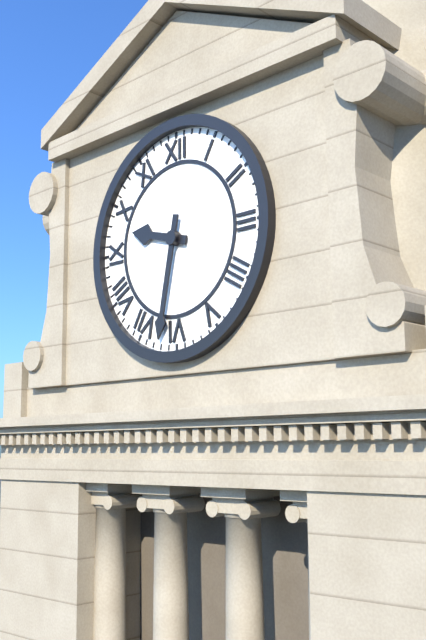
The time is 9,32
